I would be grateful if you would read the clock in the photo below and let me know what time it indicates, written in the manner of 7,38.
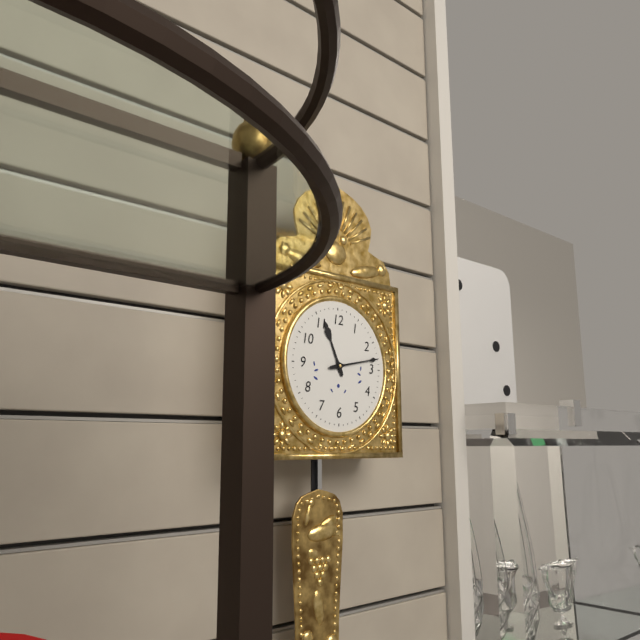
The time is 11,13
